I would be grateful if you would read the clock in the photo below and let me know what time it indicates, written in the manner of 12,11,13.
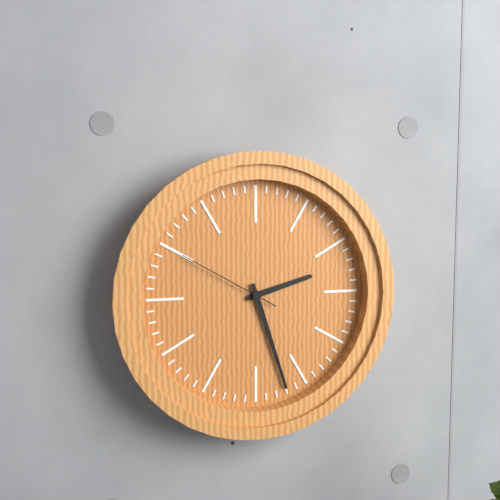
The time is 2,27,50
